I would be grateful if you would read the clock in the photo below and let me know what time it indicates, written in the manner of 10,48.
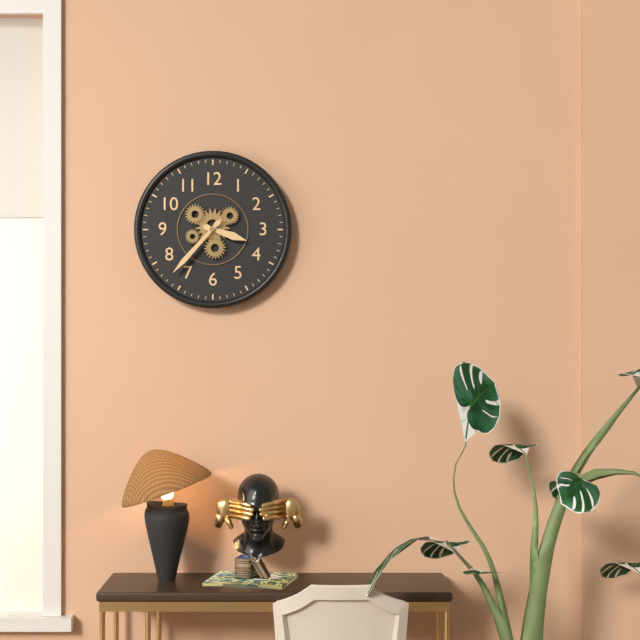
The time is 3,37
